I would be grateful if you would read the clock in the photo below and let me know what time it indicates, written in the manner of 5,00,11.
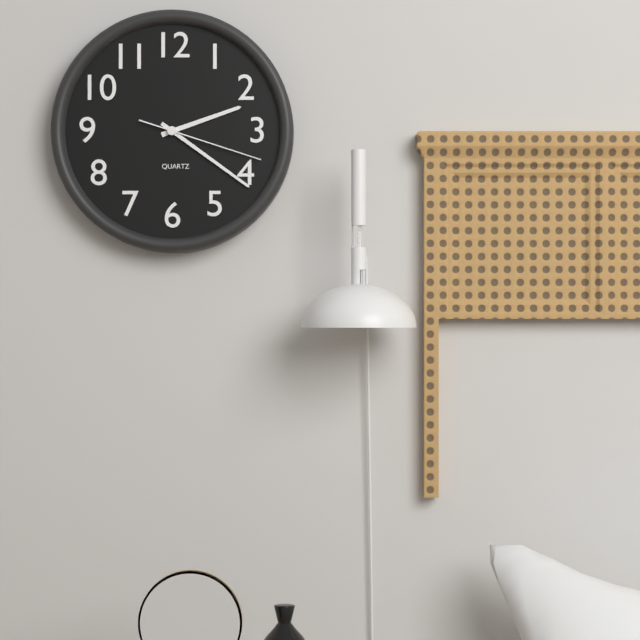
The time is 2,21,18
